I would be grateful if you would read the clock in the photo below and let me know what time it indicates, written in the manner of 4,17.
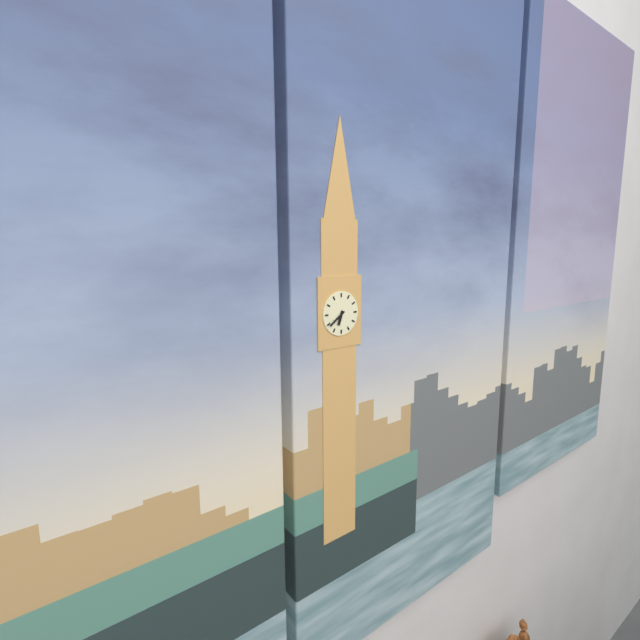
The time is 6,39
